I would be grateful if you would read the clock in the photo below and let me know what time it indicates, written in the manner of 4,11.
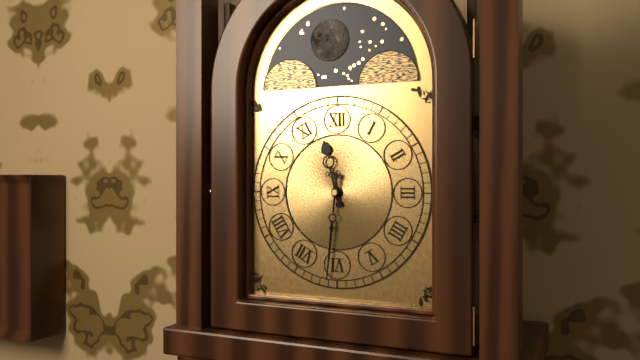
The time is 11,31
